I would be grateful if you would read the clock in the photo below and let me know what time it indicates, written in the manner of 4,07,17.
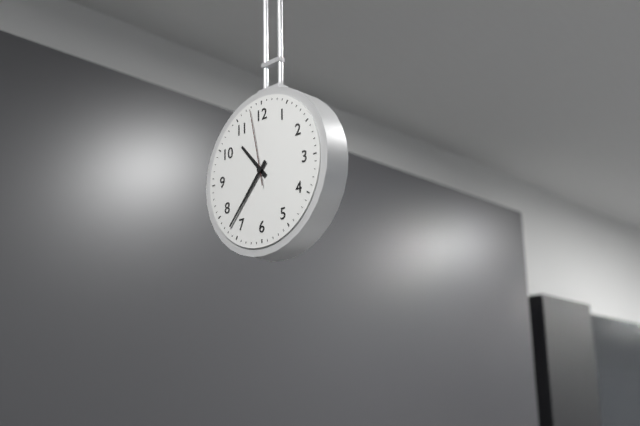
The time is 10,37,58
